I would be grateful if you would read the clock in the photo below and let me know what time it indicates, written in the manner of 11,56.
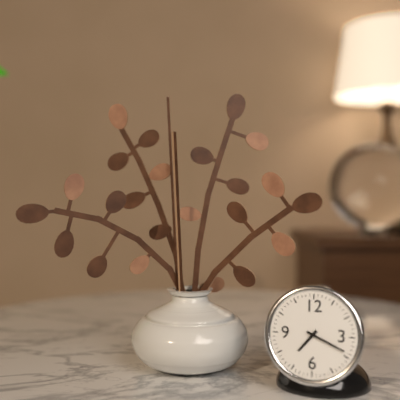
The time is 7,19
